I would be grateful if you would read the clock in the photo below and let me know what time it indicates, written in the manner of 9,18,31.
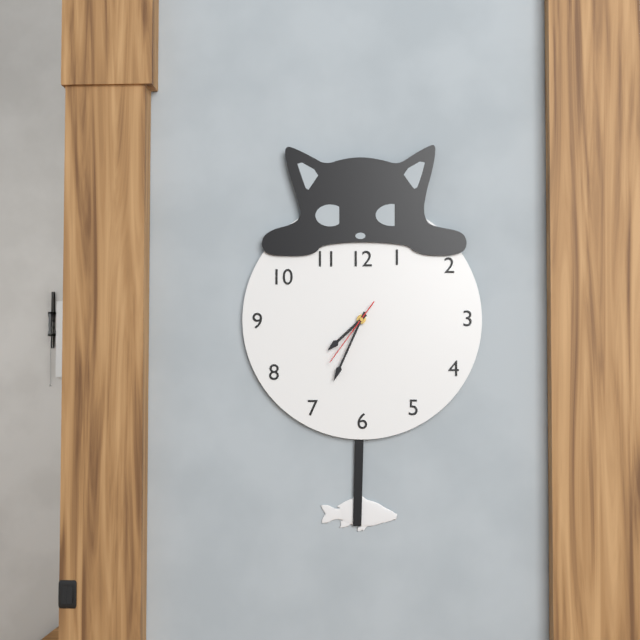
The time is 7,34,36
